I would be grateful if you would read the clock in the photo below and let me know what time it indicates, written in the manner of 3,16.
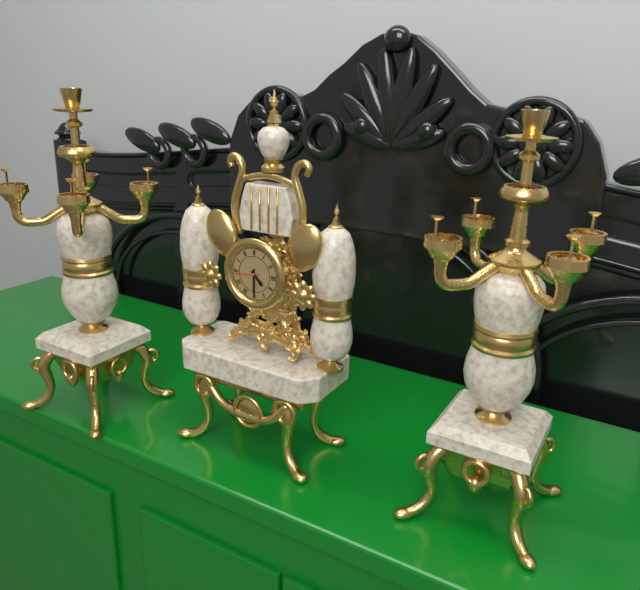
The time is 4,30
